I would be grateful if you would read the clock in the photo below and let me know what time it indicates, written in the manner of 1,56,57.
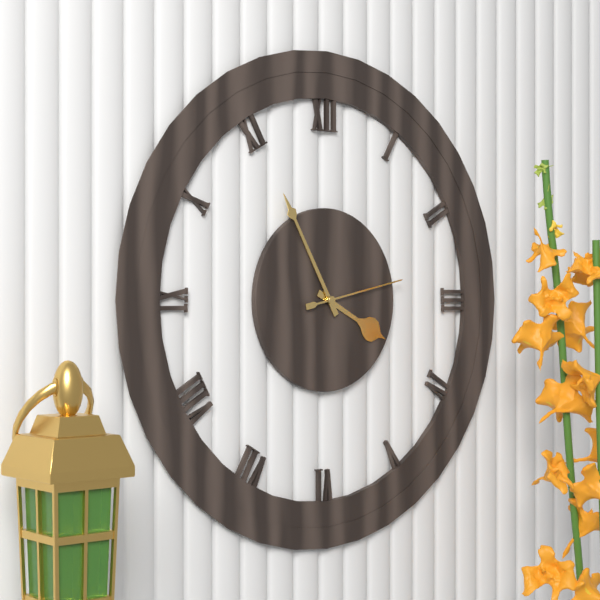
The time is 3,55,13
